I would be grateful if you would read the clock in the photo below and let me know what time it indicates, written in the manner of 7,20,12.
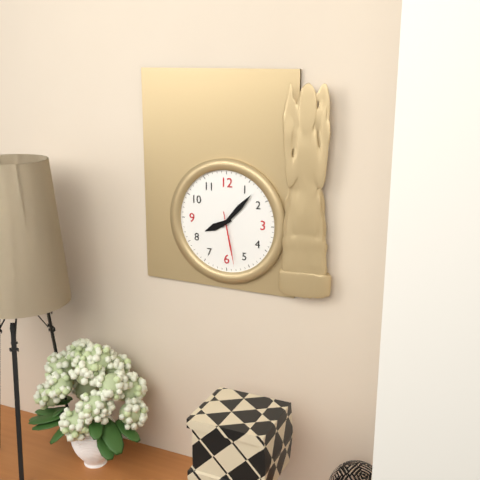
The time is 8,07,28
